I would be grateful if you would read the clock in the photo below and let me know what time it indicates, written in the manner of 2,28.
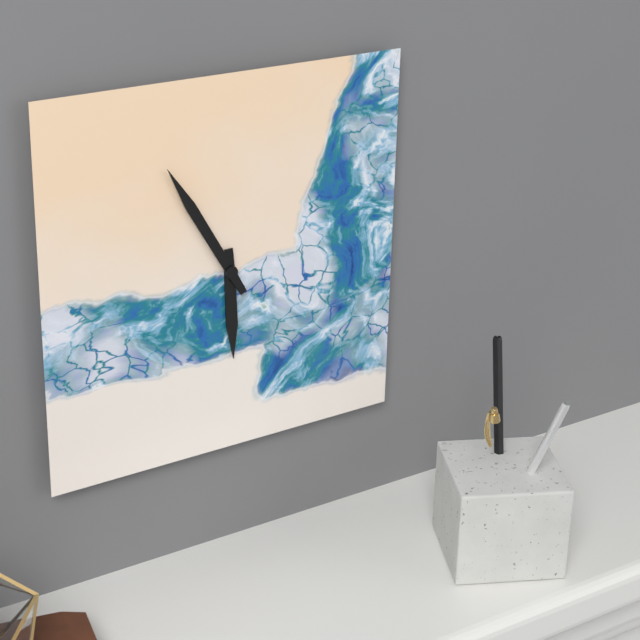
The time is 5,55
